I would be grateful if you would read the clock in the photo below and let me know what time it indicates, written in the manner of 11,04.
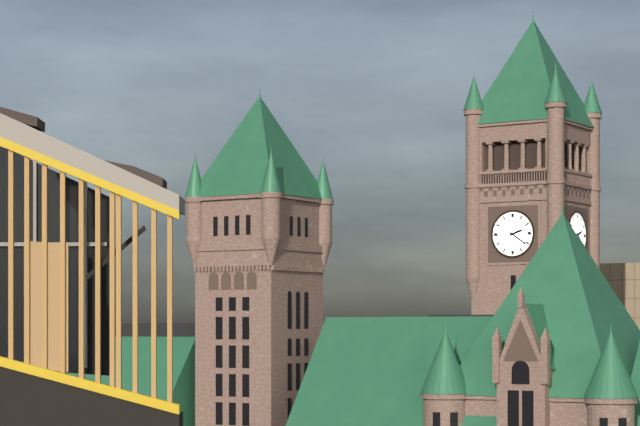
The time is 2,21
